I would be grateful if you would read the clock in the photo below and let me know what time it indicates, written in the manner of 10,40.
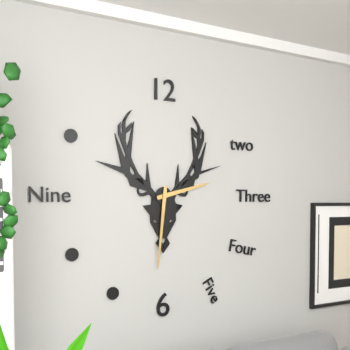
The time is 2,31
